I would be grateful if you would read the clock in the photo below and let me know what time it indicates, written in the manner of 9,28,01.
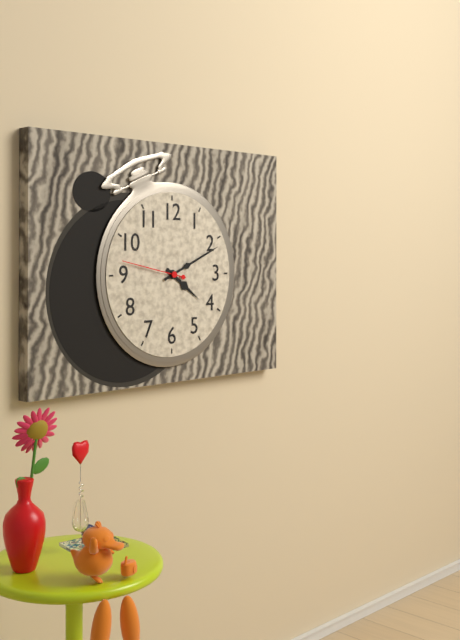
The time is 4,11,47
